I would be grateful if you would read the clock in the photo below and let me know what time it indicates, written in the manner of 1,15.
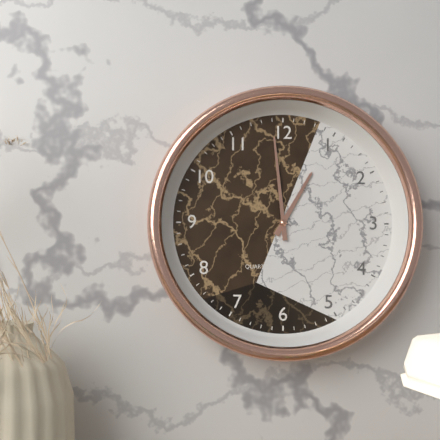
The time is 12,59
